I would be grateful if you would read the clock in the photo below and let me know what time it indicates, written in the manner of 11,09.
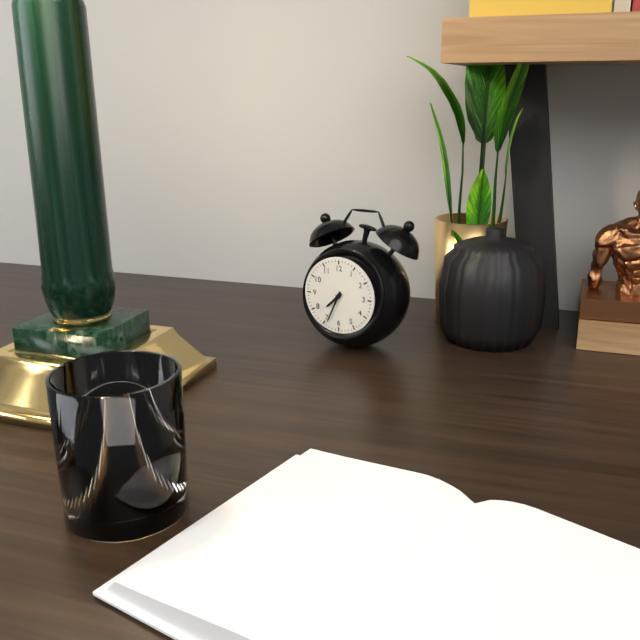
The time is 7,34
